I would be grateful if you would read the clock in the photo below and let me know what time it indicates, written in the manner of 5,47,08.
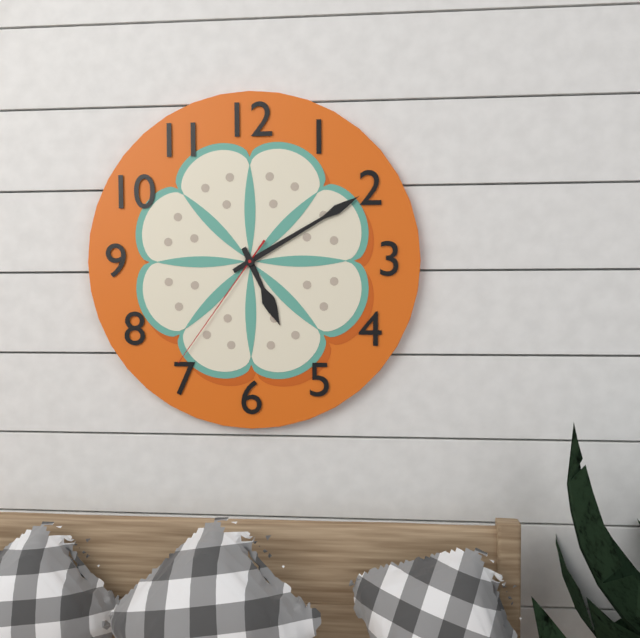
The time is 5,10,36
